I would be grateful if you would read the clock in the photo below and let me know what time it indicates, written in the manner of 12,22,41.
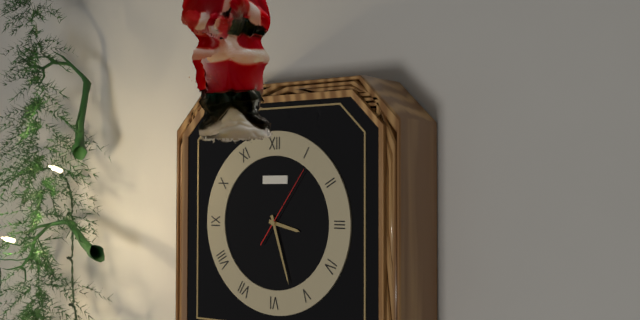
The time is 3,27,06
